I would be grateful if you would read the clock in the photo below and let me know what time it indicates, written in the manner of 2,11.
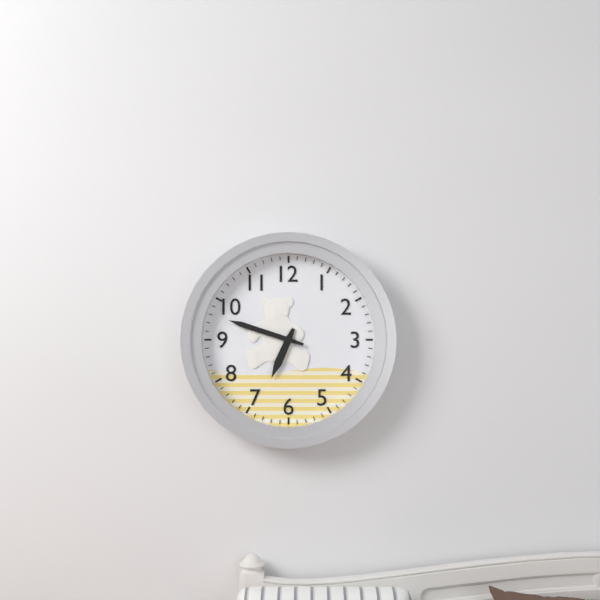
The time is 6,48
